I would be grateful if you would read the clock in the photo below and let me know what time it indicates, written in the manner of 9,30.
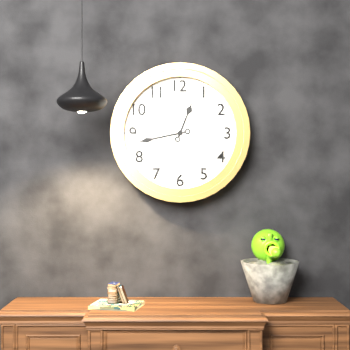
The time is 12,43
